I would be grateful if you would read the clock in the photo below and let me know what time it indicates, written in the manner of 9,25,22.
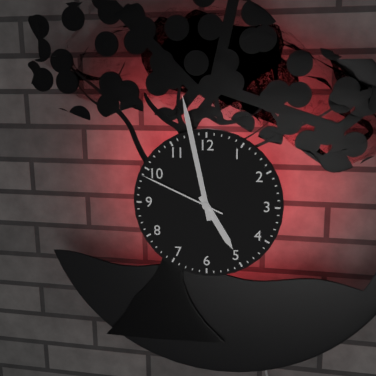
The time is 4,58,49
